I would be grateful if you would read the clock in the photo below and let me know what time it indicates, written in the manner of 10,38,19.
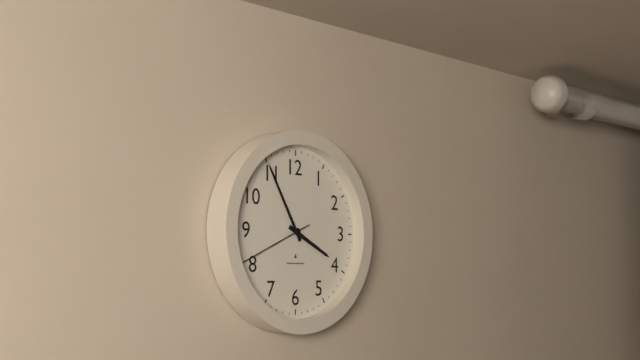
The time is 3,55,41
